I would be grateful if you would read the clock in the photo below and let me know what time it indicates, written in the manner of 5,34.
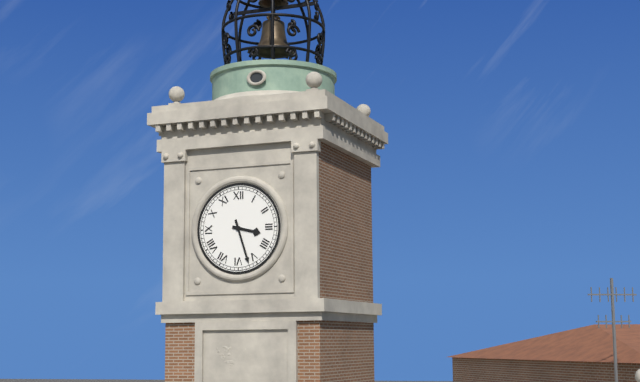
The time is 3,27
